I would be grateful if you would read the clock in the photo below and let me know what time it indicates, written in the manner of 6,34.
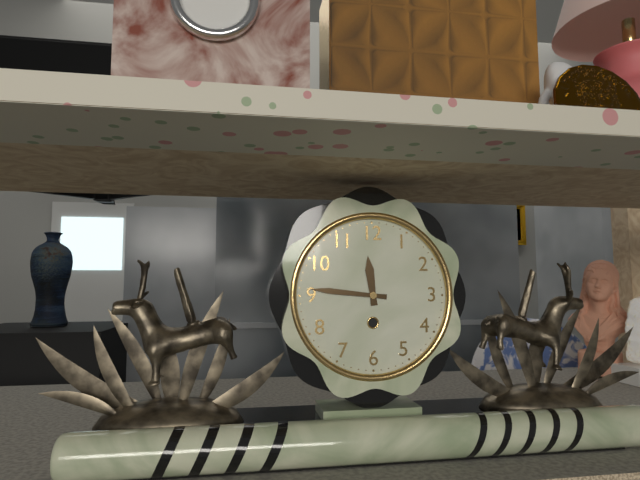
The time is 11,46
